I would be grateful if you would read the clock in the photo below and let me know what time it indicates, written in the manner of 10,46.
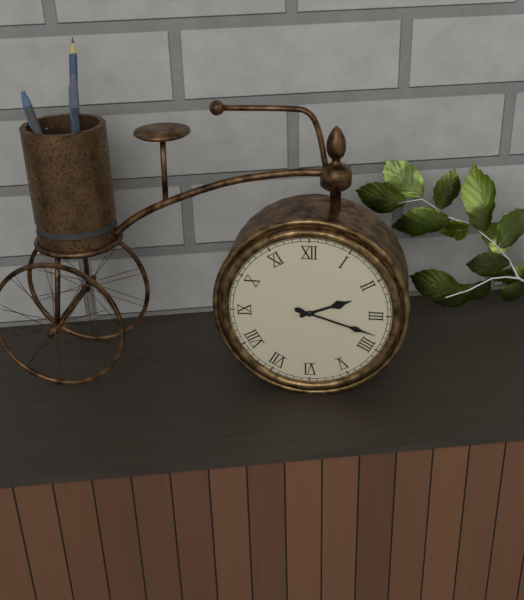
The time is 2,18
